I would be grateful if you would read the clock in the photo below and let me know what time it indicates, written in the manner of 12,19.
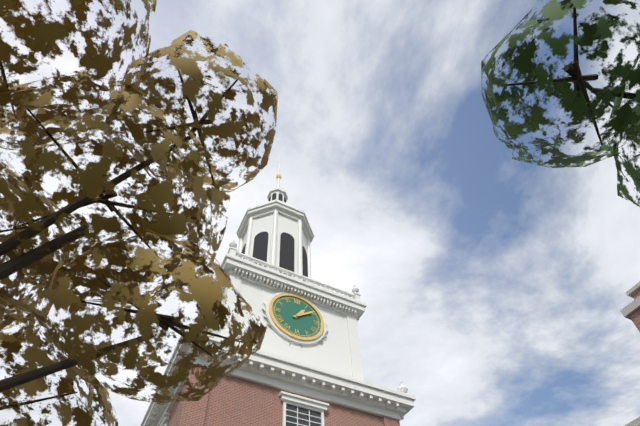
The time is 1,09
